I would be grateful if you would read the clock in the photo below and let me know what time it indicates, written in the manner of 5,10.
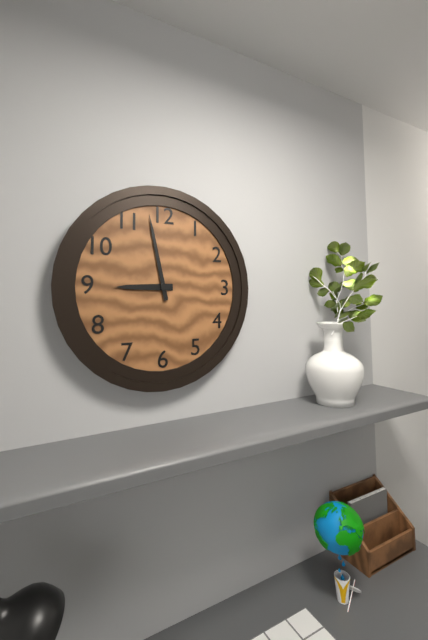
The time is 8,58
